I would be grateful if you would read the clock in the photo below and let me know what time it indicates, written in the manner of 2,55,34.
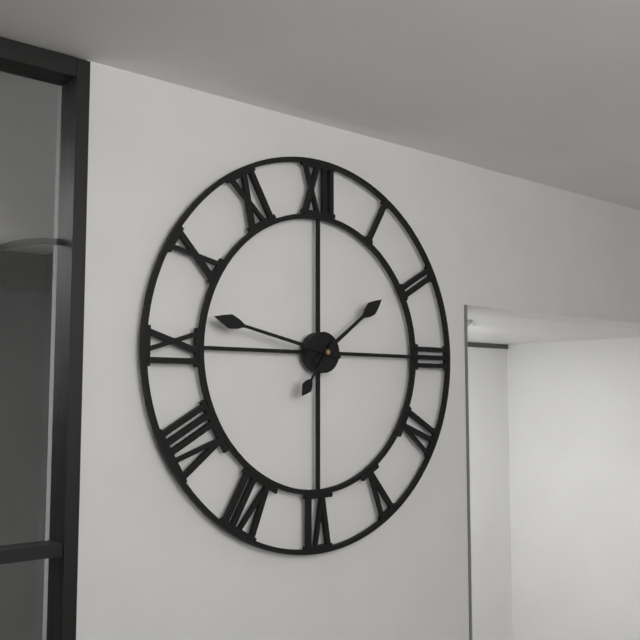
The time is 1,47,36
